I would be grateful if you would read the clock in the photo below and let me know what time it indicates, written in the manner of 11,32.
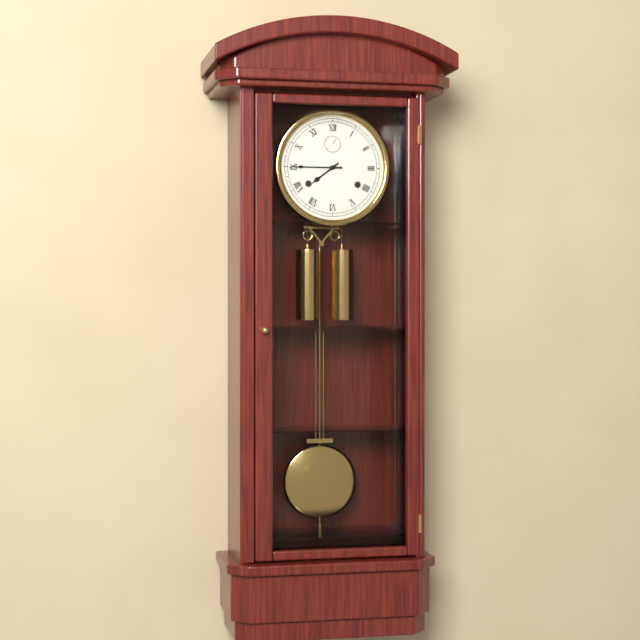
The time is 7,45
